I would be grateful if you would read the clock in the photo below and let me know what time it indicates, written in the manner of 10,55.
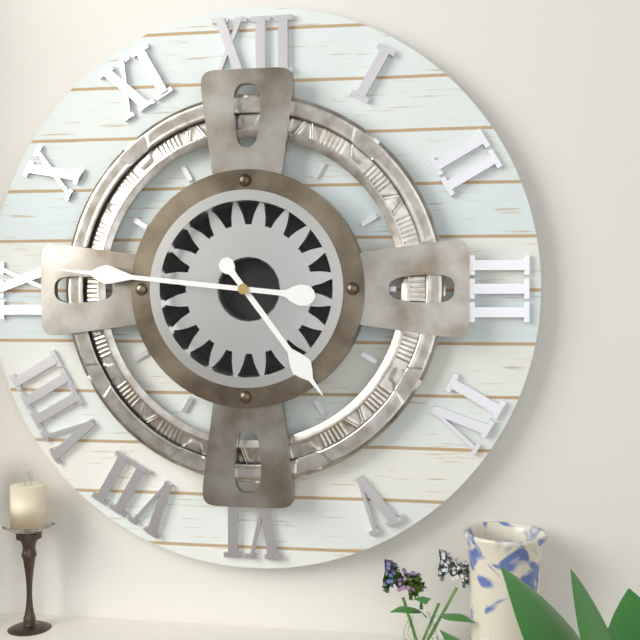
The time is 4,46
